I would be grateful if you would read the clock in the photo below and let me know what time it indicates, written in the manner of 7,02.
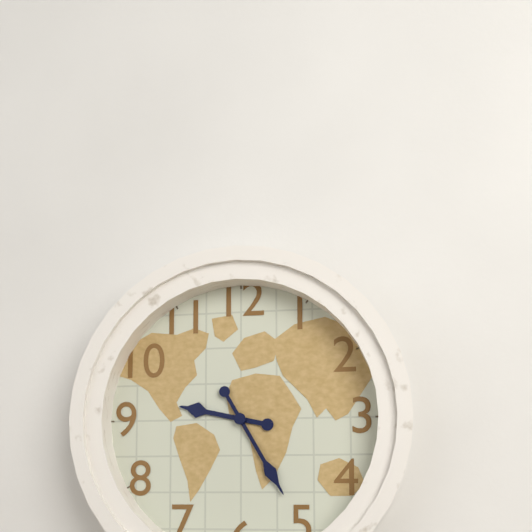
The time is 9,25
